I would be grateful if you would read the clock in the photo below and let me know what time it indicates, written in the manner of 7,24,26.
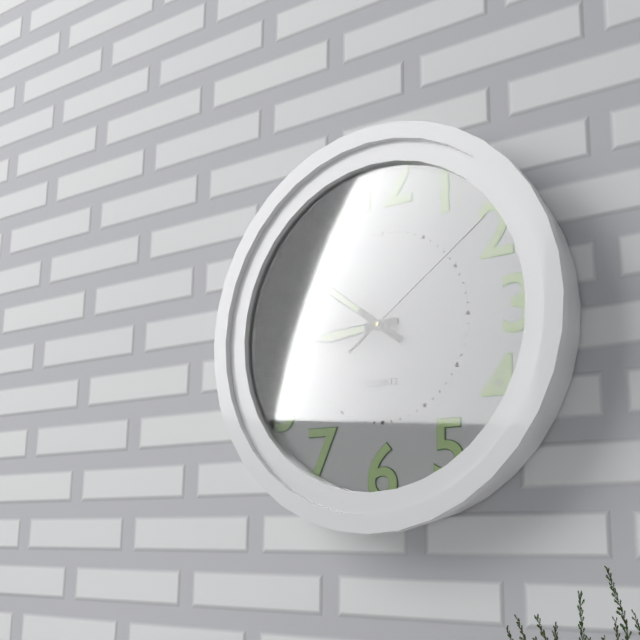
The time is 8,51,09
